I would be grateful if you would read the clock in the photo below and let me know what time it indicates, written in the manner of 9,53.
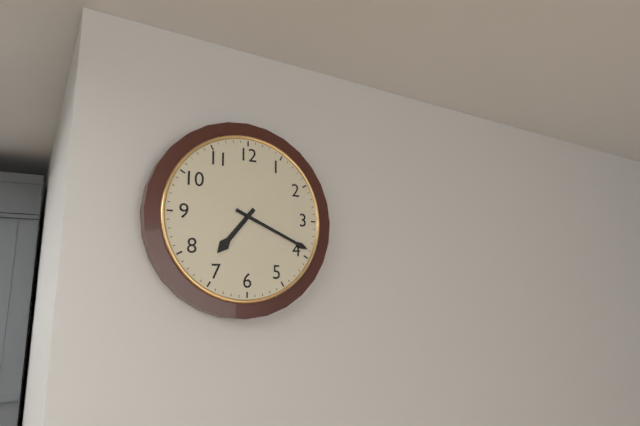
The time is 7,19
